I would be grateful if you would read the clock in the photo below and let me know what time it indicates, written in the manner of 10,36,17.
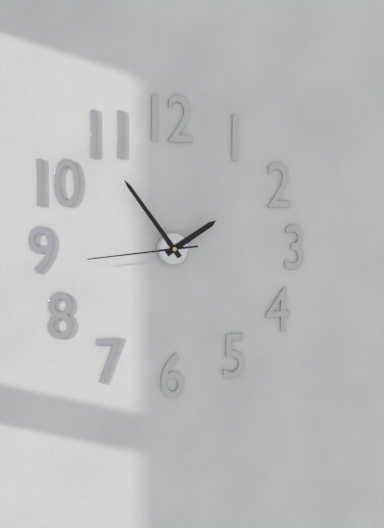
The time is 1,54,44
